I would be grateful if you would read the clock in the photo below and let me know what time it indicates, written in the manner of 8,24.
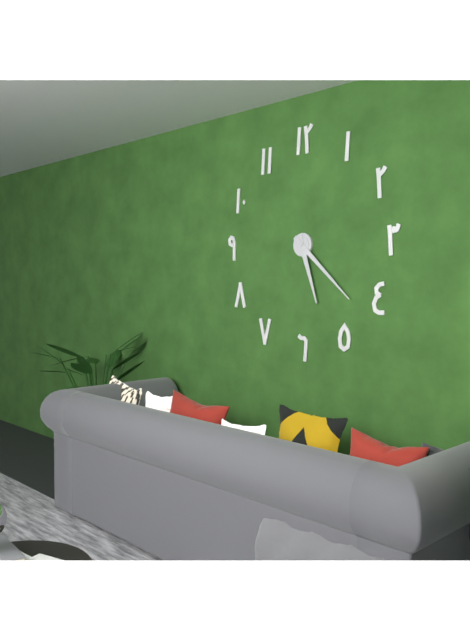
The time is 5,22
